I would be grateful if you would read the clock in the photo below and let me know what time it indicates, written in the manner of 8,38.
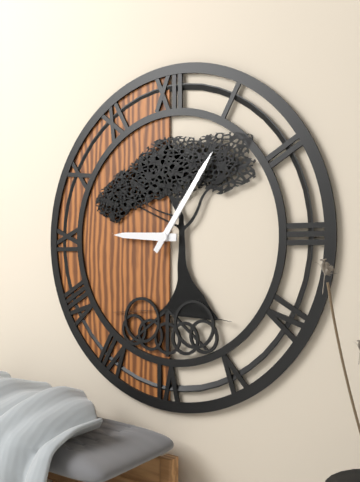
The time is 9,06
